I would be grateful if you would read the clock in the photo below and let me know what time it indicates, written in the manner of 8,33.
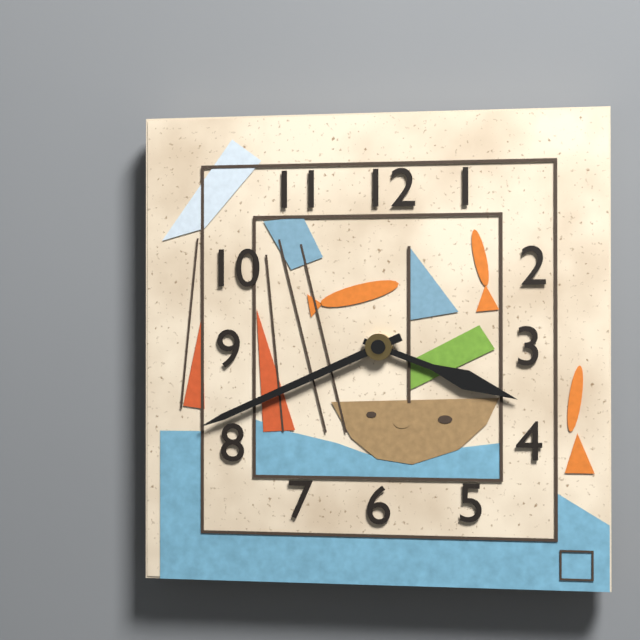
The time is 3,41
